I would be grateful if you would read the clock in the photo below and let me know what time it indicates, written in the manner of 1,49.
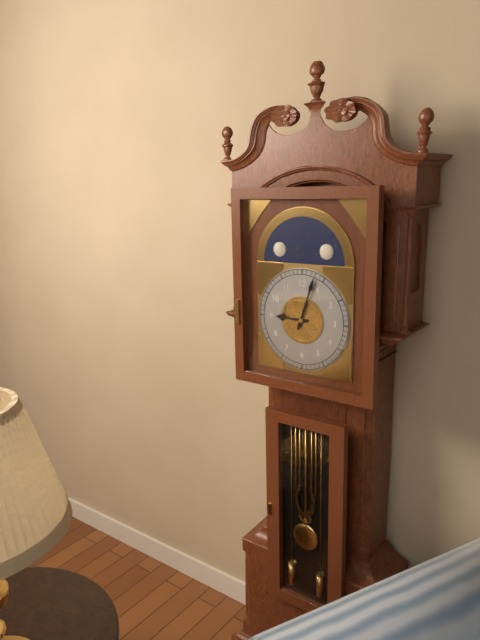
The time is 9,03
